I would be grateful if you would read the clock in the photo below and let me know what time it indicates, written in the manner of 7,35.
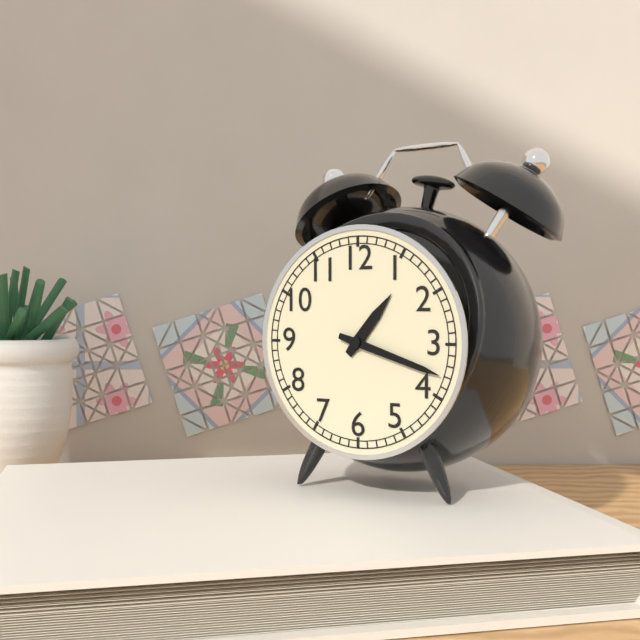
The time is 1,18
